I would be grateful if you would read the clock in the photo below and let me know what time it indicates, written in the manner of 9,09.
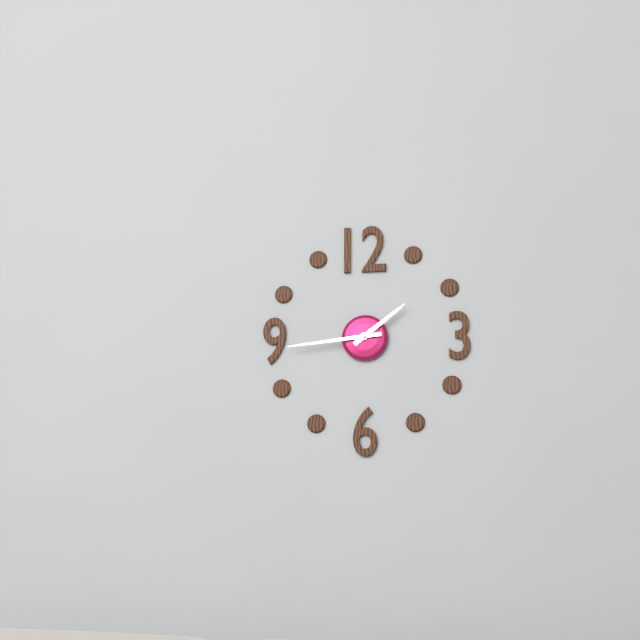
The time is 1,44
